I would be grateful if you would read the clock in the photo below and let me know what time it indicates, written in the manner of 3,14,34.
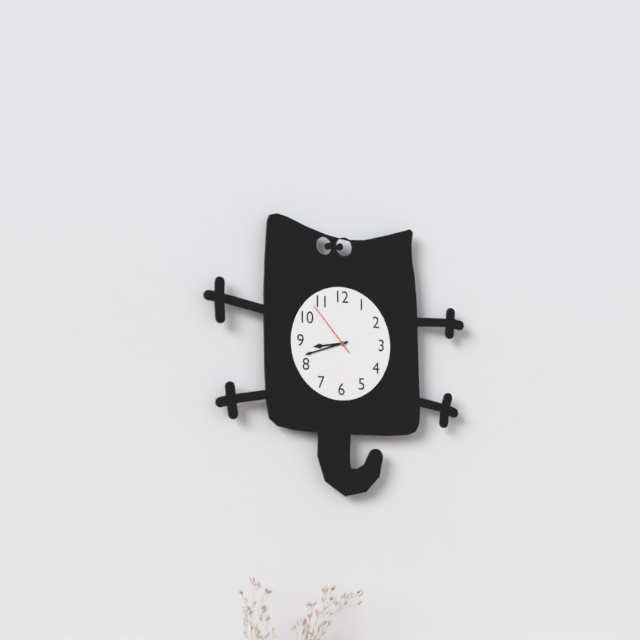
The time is 8,42,53
